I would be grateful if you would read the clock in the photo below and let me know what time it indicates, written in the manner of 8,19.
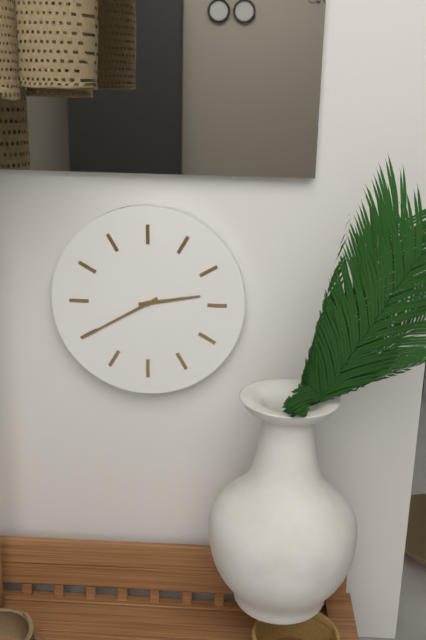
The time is 2,40
